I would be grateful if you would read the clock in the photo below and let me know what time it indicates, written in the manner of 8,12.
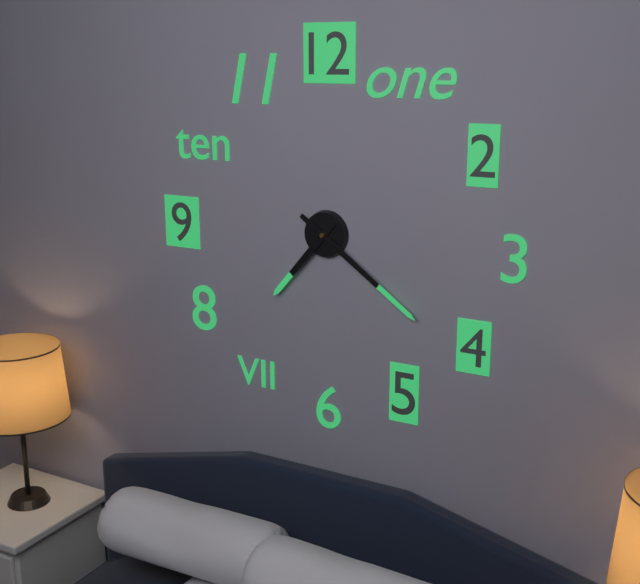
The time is 7,21
